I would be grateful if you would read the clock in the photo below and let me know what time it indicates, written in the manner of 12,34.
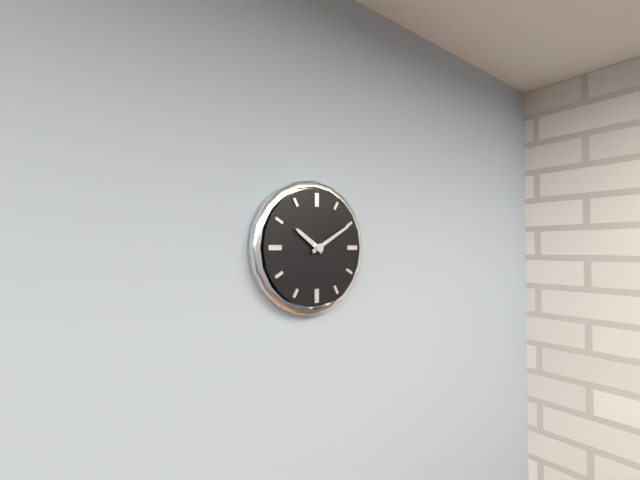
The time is 10,10
